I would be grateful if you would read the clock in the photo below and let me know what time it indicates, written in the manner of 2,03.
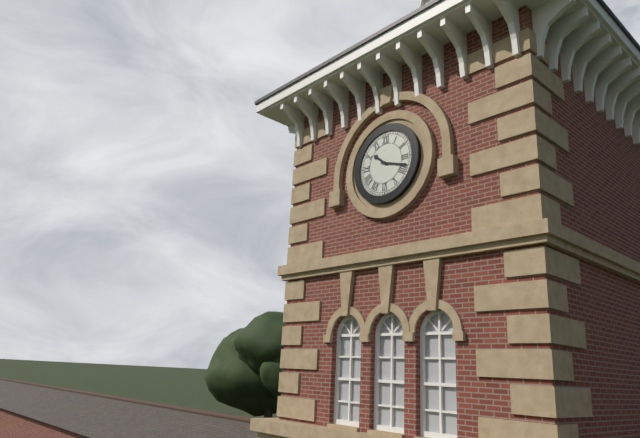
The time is 10,18
